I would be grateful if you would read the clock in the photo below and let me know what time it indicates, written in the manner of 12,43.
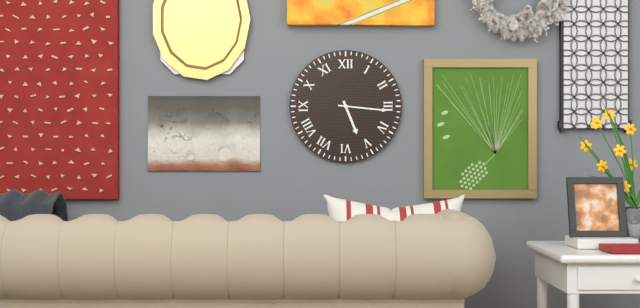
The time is 5,16
